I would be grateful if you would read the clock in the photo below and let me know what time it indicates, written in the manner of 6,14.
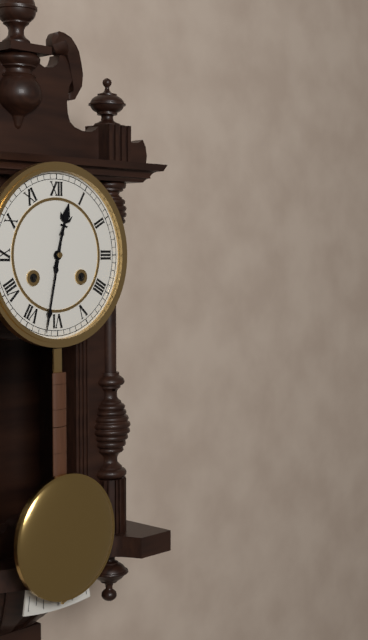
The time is 12,32
